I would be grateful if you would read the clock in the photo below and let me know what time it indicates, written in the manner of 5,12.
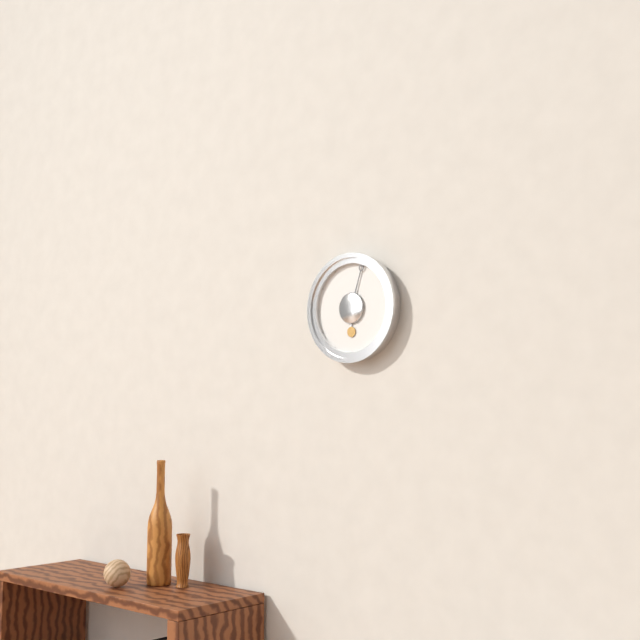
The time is 6,03
